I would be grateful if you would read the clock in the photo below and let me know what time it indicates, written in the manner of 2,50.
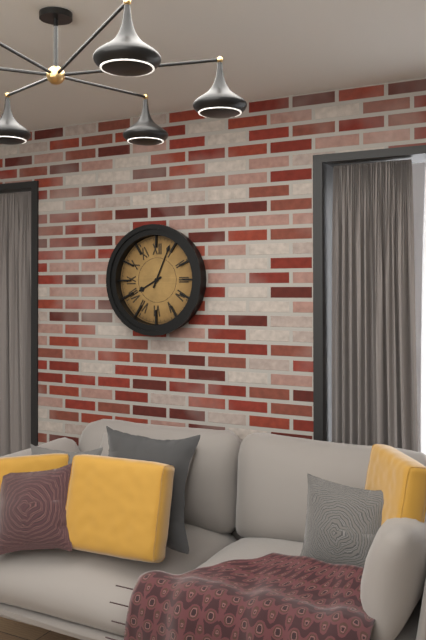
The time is 8,04
